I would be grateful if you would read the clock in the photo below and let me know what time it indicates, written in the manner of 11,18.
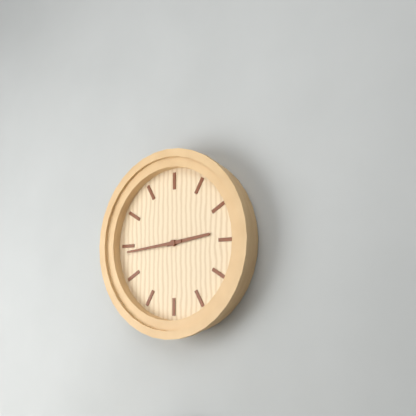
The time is 2,44
